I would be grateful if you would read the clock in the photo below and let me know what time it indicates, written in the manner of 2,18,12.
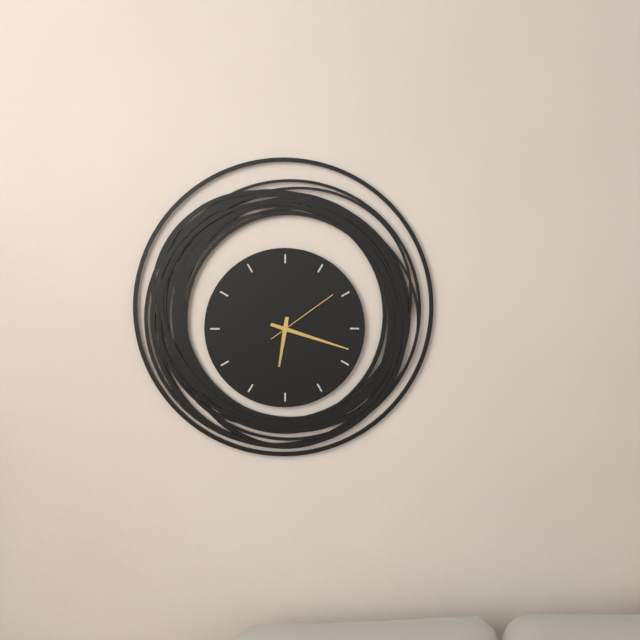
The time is 6,18,09
